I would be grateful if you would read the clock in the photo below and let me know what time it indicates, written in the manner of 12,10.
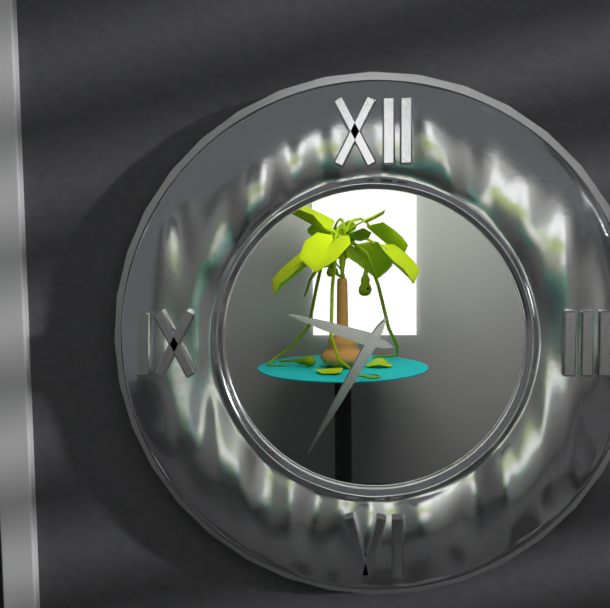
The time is 9,35
